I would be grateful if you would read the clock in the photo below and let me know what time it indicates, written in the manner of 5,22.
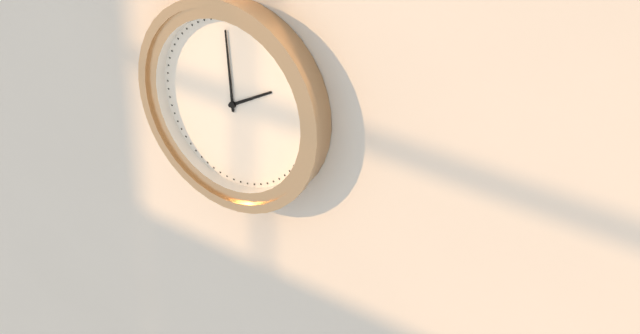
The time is 1,59
